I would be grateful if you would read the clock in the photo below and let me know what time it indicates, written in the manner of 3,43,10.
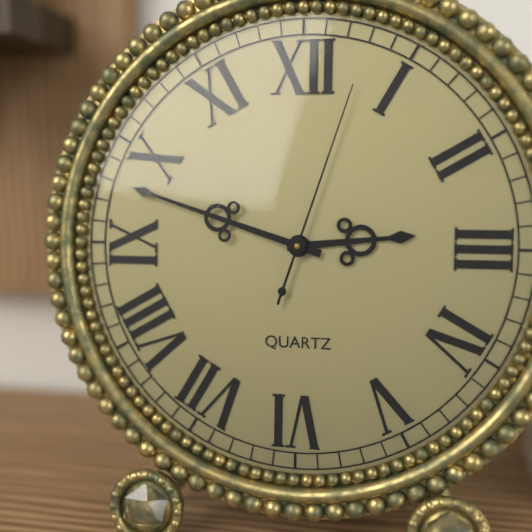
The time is 2,48,03
